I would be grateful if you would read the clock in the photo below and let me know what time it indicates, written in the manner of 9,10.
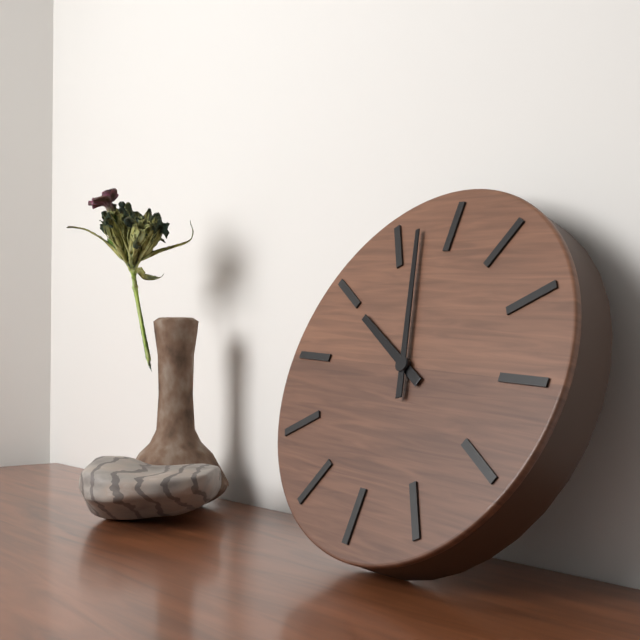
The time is 9,57
